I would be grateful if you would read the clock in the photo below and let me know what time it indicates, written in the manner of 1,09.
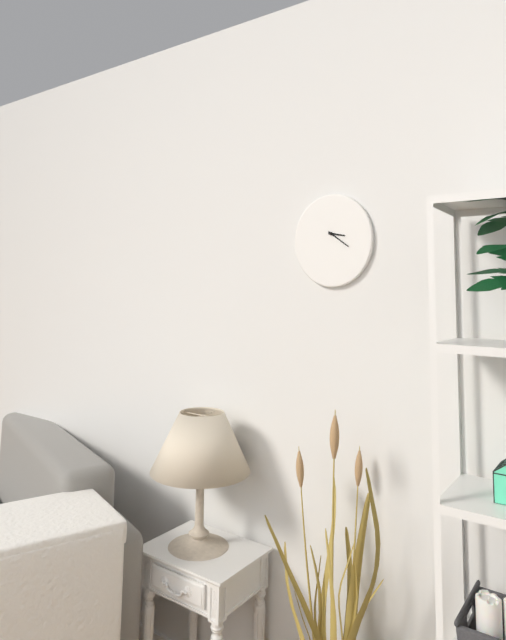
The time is 3,21
